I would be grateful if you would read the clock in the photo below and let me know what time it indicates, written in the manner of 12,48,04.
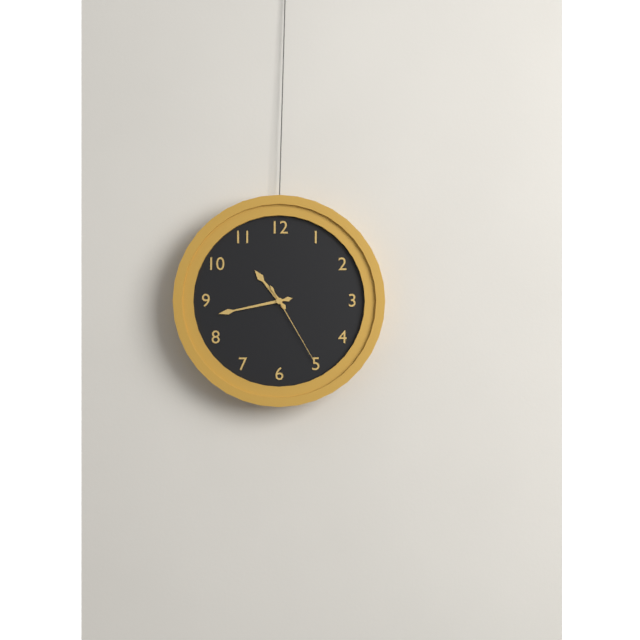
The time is 10,43,25
